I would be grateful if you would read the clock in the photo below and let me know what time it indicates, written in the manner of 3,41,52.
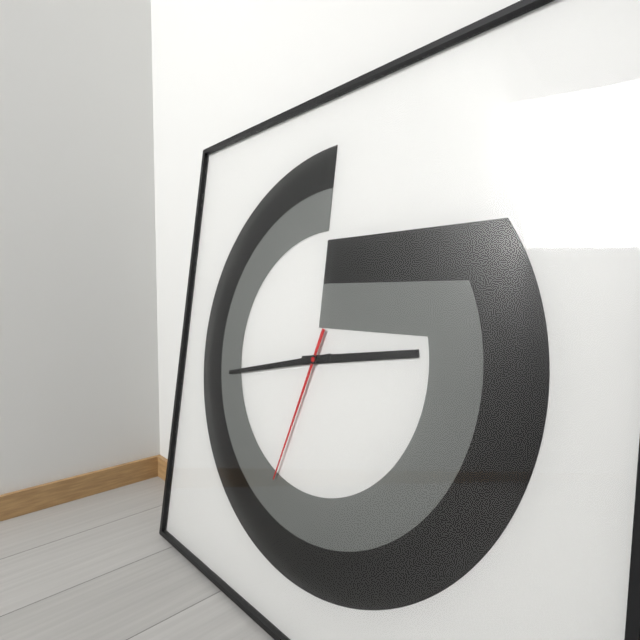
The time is 2,43,33
